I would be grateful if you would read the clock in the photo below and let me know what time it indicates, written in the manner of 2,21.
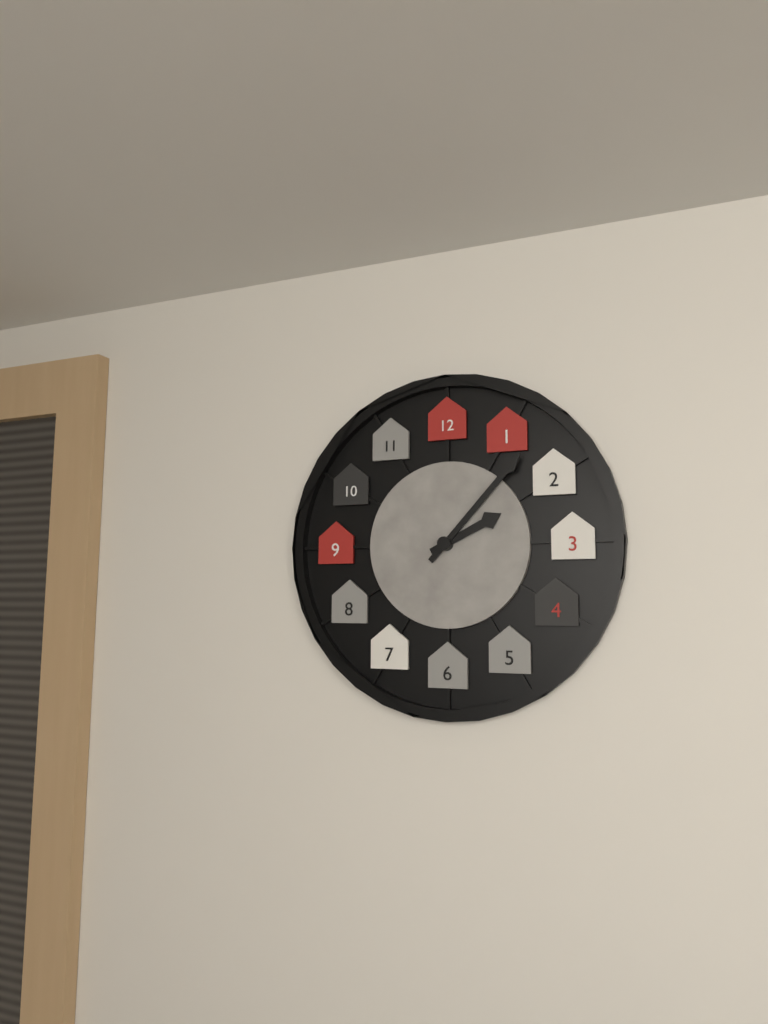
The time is 2,07
